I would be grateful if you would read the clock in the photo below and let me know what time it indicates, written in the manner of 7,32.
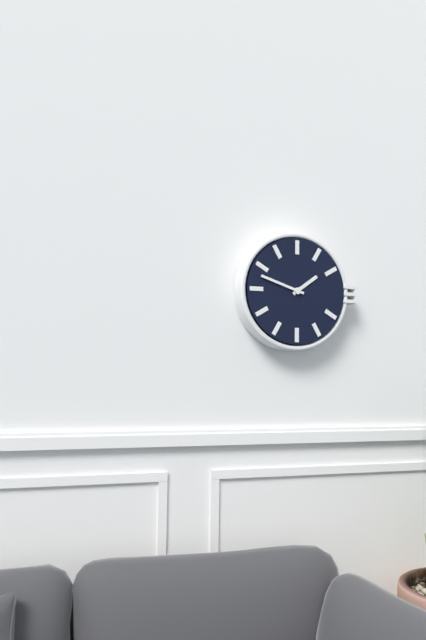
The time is 1,48
